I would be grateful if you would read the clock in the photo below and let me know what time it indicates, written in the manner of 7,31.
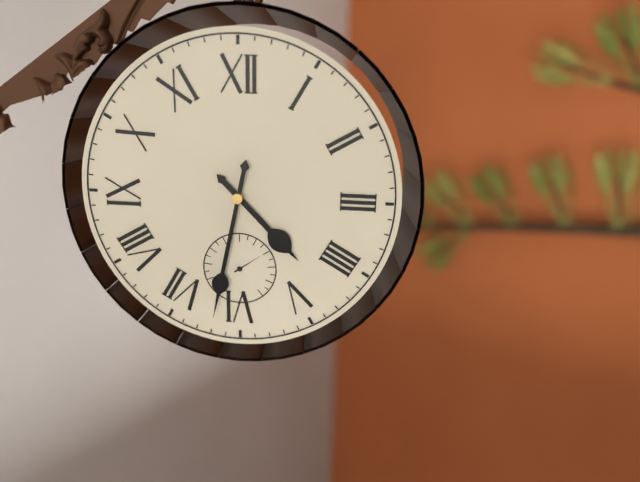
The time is 4,32
